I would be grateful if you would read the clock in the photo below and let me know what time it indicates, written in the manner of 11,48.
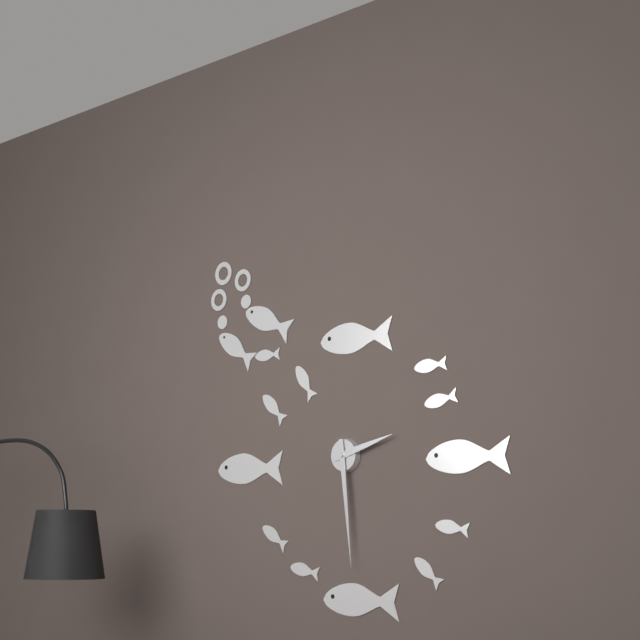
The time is 2,29
